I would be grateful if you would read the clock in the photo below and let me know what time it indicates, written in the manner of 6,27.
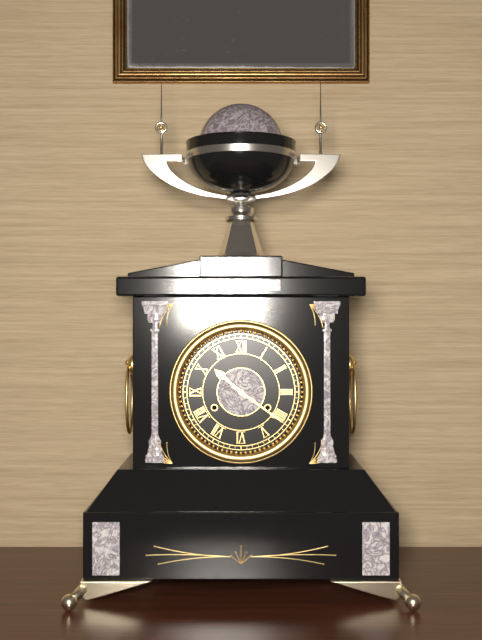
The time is 10,21
